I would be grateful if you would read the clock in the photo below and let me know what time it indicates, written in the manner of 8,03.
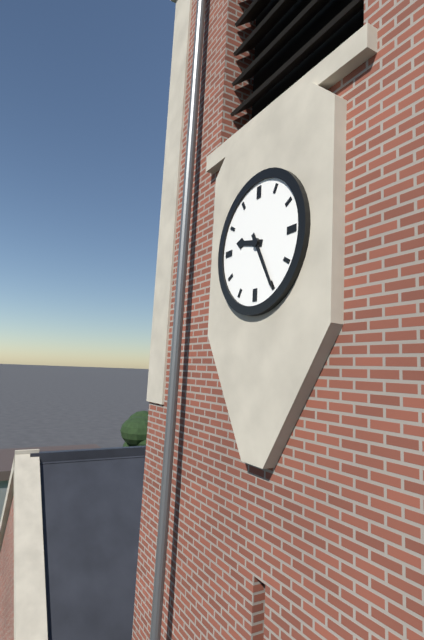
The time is 9,25
